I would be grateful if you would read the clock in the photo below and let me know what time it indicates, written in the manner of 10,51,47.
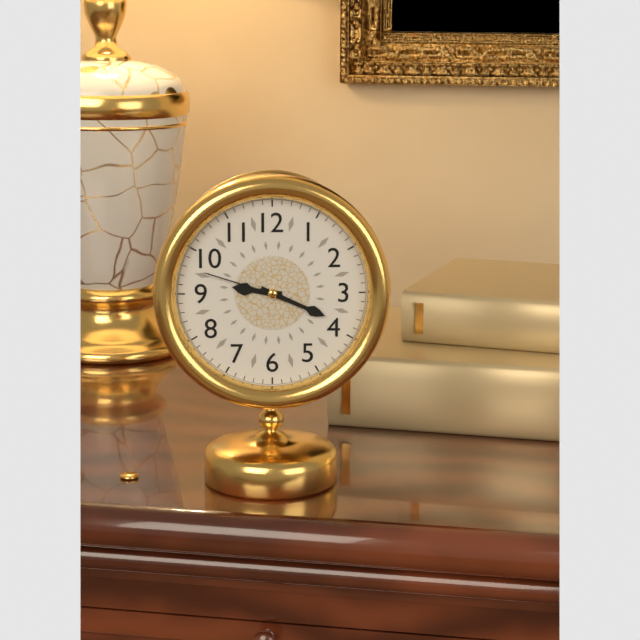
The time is 9,19,48
